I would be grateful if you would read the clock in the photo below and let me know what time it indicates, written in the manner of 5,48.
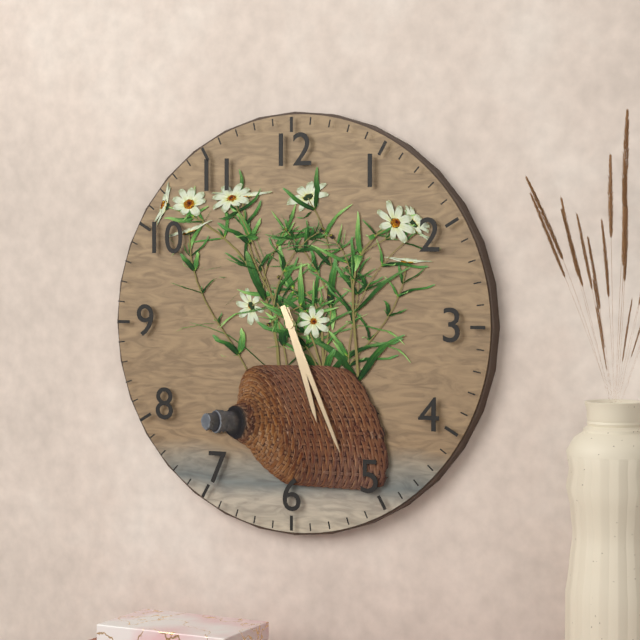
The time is 5,26
